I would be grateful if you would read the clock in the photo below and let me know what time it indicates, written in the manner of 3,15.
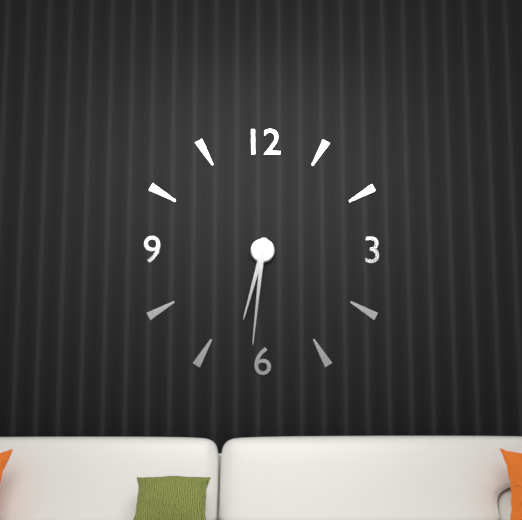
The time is 6,31
